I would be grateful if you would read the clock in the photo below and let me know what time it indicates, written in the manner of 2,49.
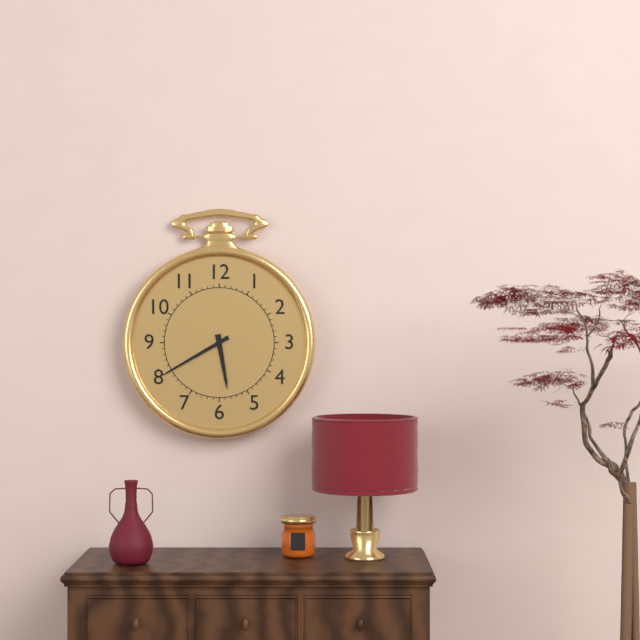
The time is 5,40
